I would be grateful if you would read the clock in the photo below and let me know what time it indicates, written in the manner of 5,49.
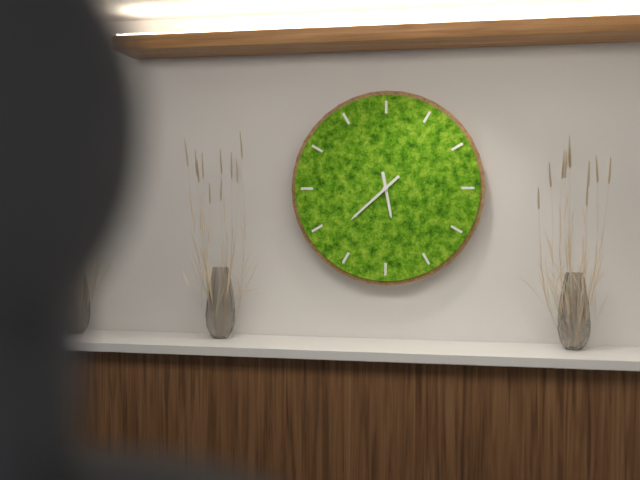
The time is 5,38
